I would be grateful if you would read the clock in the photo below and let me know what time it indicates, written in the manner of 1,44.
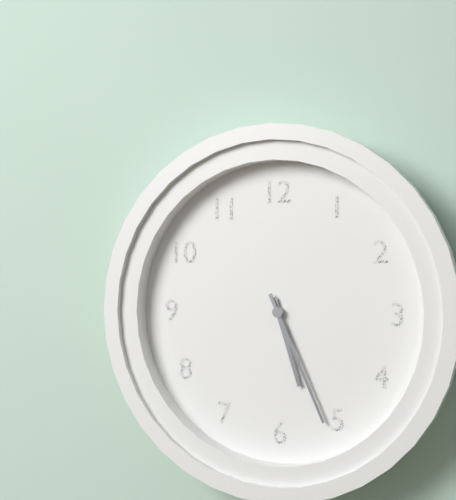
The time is 5,26
